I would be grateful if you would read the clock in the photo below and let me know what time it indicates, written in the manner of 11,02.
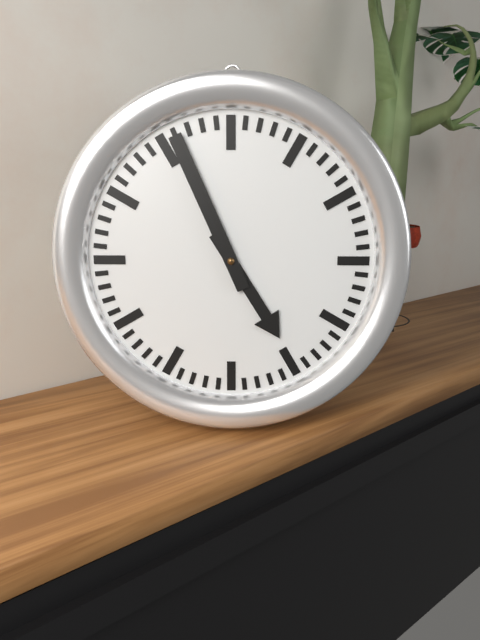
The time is 4,56
